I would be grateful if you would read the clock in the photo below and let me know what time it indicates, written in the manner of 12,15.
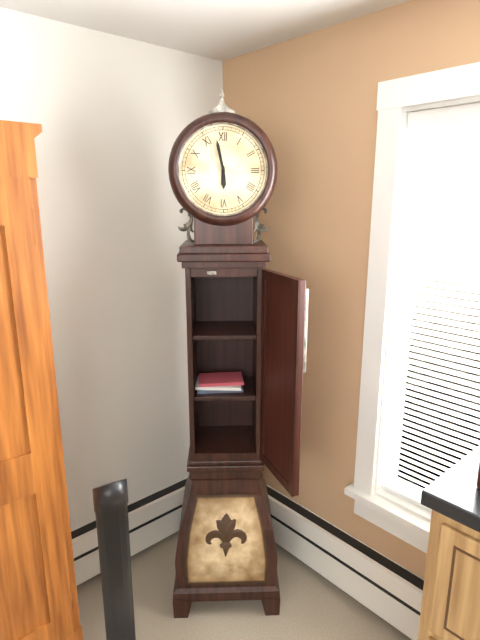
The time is 5,58
